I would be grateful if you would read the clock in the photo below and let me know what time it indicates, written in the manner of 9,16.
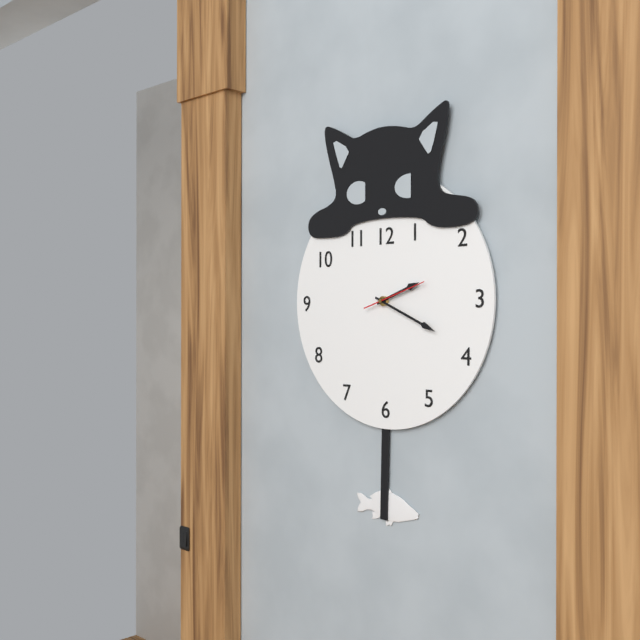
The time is 2,19
